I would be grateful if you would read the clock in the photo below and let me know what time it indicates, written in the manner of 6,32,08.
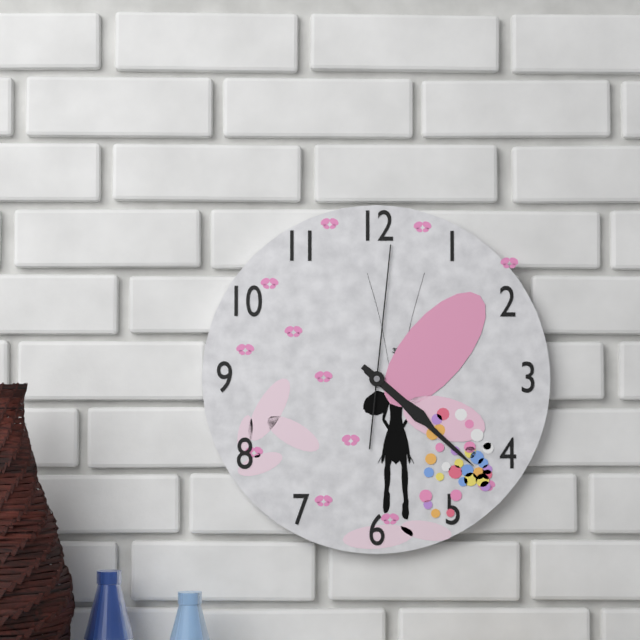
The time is 4,22,01
